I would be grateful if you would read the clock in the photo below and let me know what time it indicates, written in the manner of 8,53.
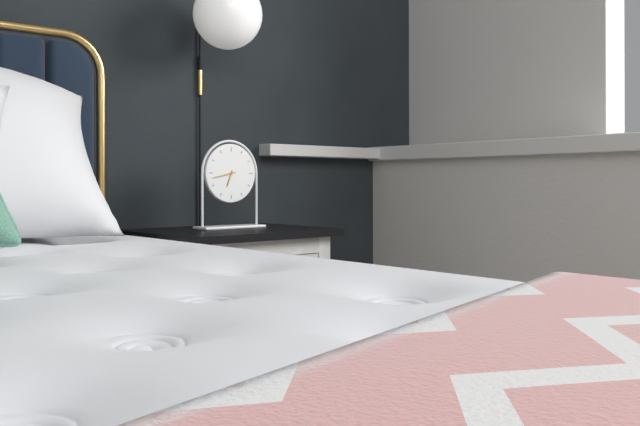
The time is 6,43
